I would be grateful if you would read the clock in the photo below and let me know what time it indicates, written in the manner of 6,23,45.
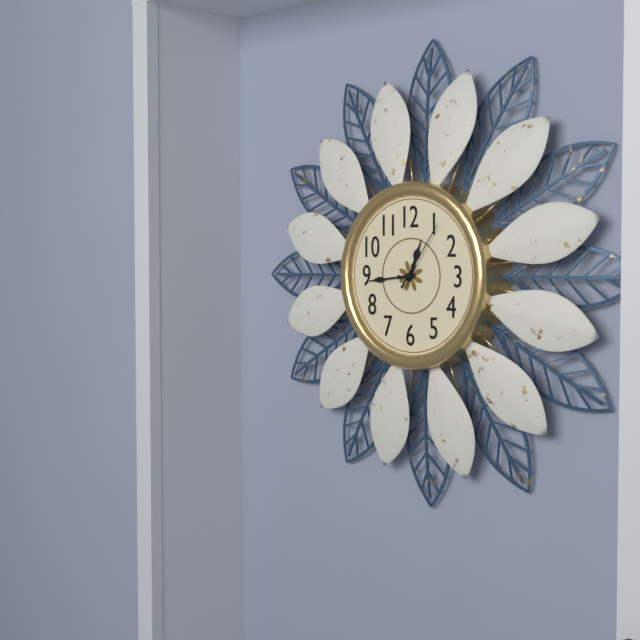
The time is 12,44,06
